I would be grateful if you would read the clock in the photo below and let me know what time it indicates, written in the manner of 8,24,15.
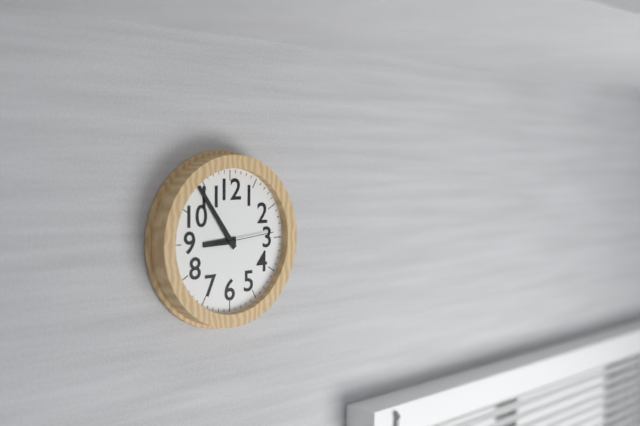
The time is 8,54,14
